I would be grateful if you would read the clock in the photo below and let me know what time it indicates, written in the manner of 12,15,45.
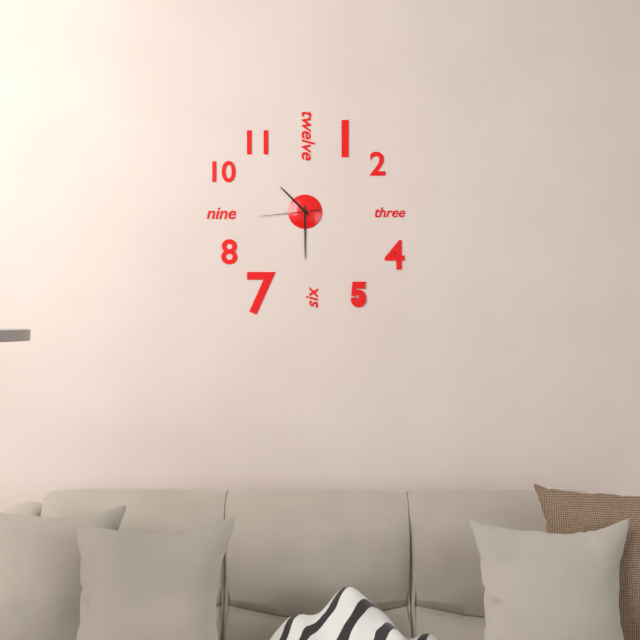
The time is 10,30,44
